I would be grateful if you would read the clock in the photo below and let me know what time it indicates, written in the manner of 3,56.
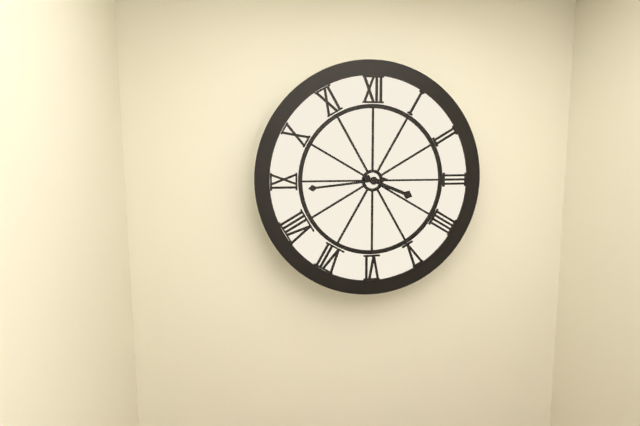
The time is 3,44
